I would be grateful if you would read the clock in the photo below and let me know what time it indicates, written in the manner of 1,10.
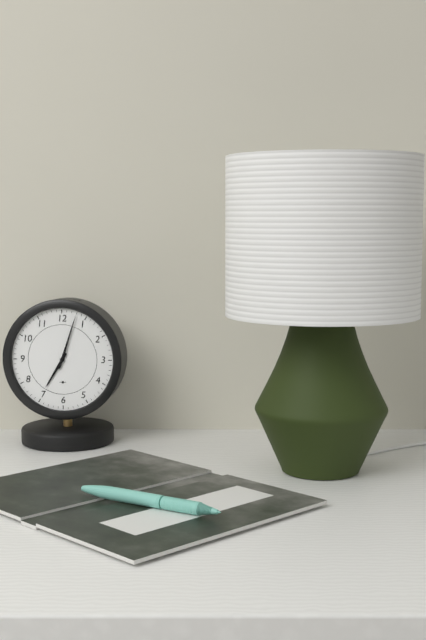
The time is 7,03
